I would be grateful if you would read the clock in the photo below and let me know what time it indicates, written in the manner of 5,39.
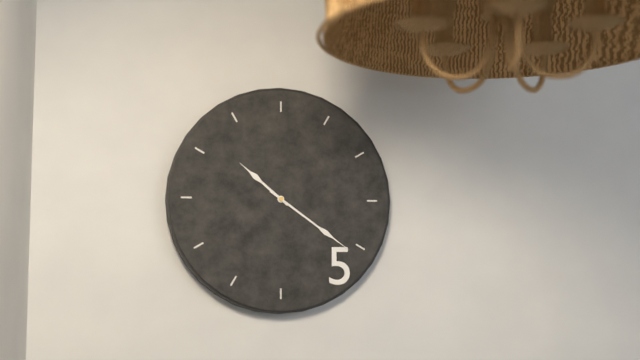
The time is 10,21
